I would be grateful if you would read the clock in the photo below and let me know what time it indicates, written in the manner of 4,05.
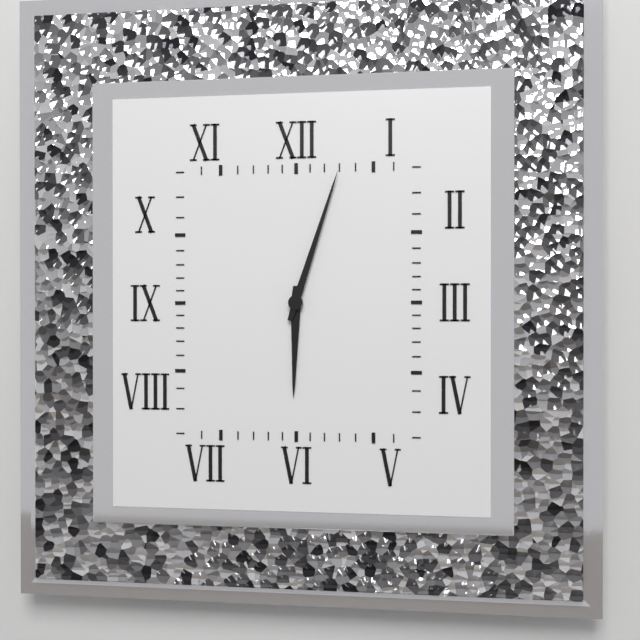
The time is 6,03
